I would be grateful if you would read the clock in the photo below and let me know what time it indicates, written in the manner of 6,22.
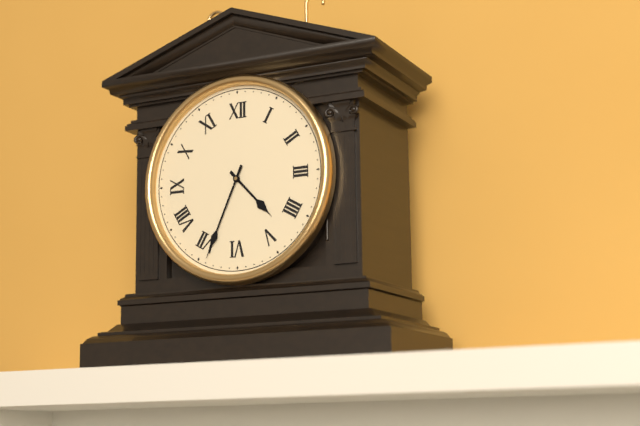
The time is 4,34
